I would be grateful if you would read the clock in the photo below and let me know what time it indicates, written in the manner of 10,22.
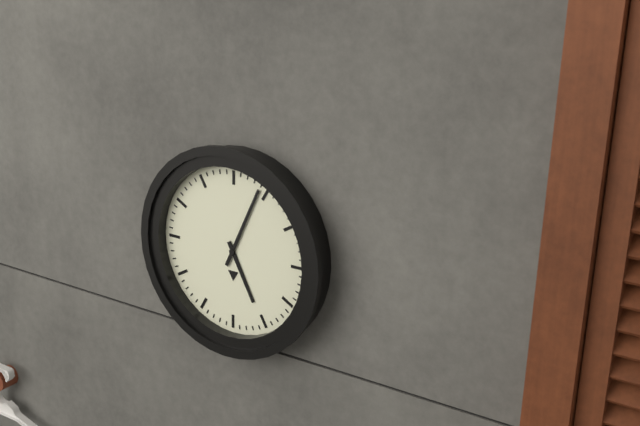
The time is 5,04
